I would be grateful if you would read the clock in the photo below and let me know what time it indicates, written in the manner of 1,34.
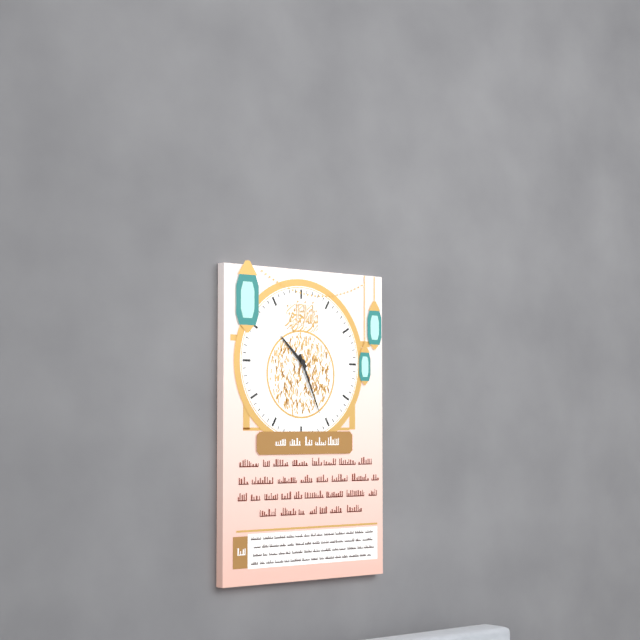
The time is 10,26
